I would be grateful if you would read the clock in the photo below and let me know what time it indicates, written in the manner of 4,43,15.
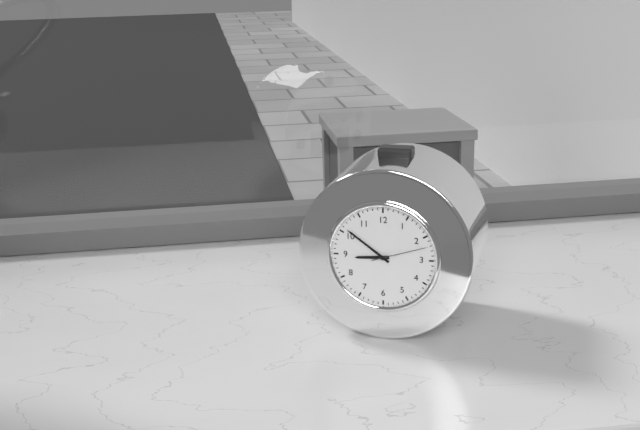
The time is 8,51,12
